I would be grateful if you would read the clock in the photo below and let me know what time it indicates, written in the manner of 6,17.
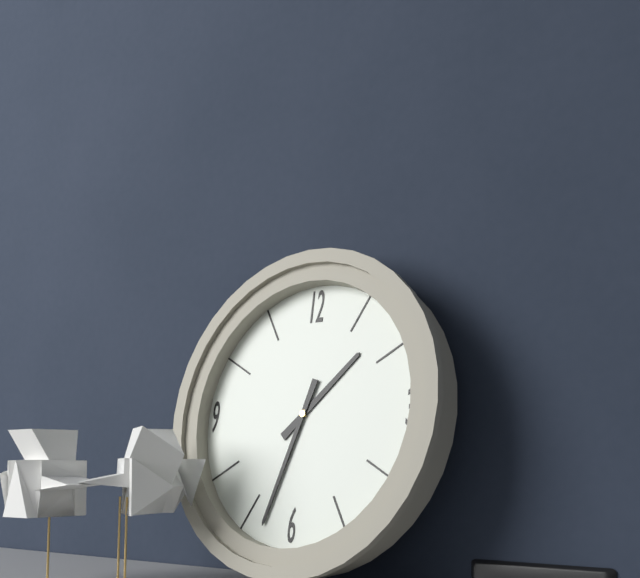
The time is 1,33
